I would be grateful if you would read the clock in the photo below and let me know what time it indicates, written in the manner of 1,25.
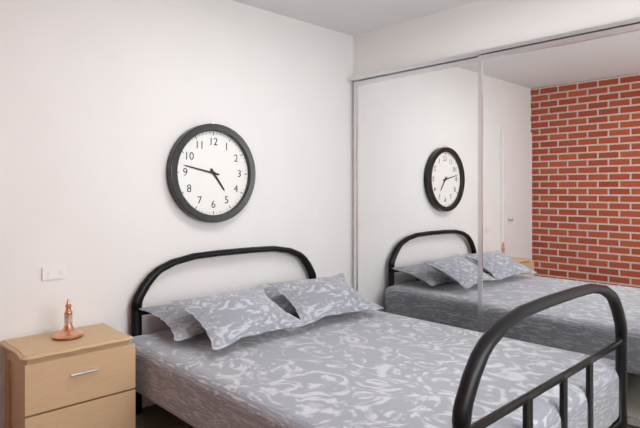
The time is 4,47
